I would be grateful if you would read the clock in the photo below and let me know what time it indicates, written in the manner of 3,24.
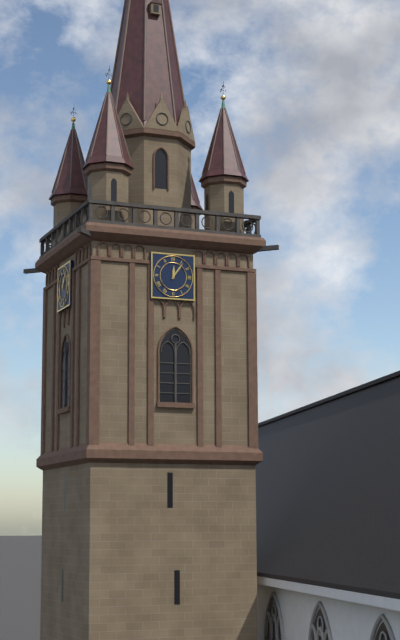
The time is 12,06
